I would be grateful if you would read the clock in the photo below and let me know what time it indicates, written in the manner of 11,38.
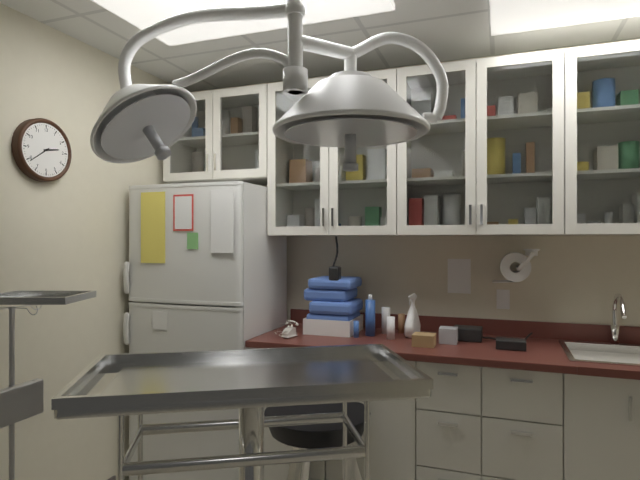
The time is 2,39
